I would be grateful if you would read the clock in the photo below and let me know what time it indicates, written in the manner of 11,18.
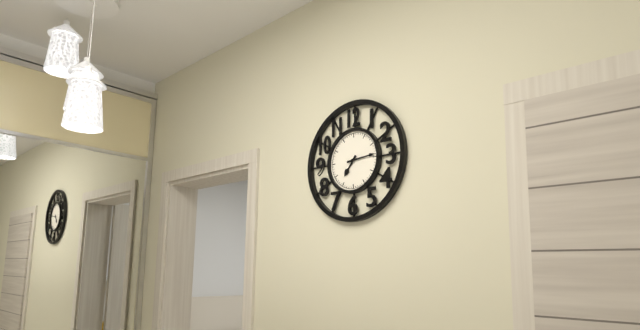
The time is 7,14
